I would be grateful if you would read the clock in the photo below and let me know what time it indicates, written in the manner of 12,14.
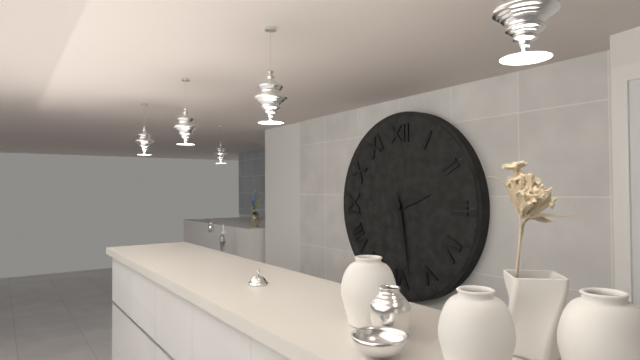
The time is 2,28
